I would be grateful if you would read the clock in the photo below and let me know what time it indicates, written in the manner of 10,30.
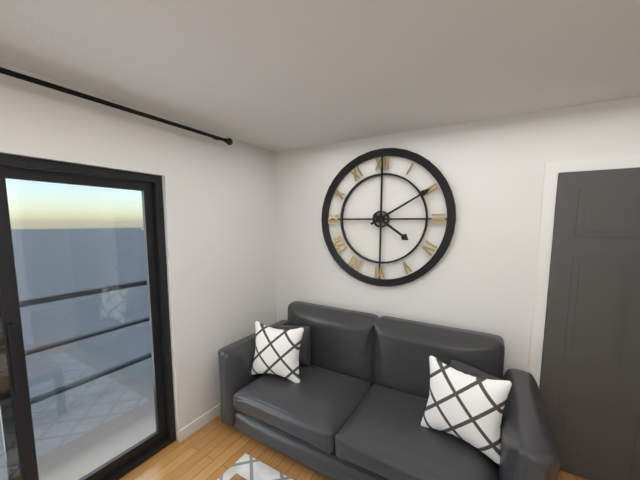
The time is 4,10
